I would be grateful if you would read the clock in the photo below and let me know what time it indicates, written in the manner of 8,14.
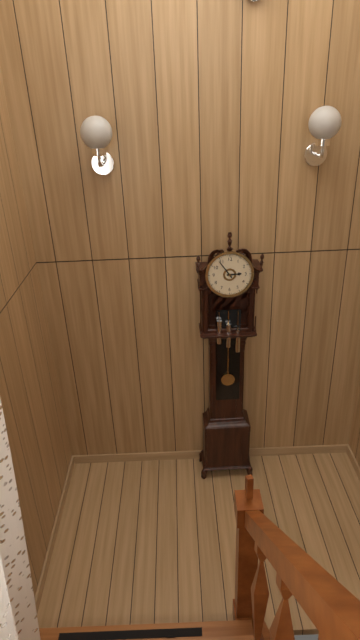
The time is 2,54
